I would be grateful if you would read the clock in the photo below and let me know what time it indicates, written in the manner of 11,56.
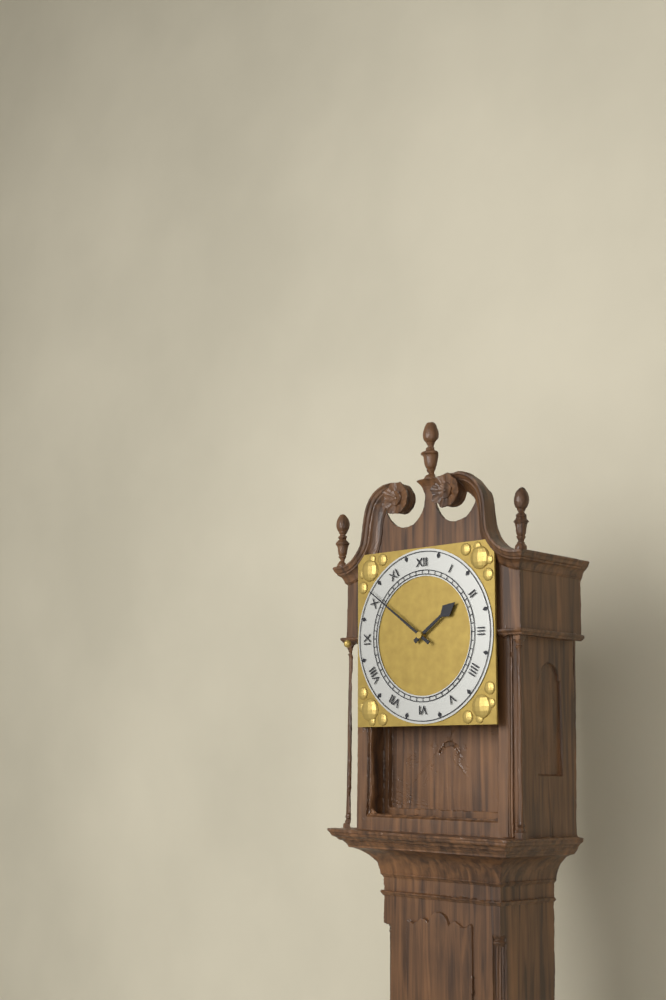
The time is 1,51
